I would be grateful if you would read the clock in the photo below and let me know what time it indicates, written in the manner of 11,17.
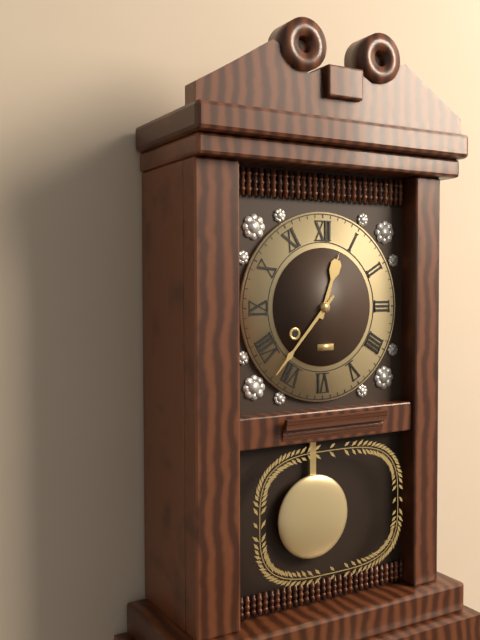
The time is 12,37
